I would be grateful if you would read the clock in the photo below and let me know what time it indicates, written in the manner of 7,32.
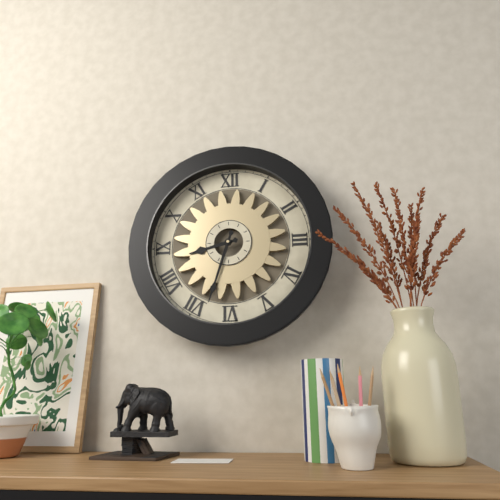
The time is 8,33
